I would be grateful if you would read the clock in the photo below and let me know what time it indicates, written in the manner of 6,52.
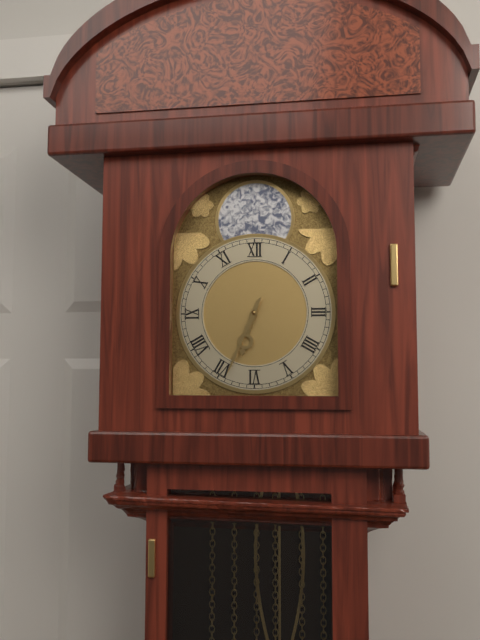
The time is 6,34
